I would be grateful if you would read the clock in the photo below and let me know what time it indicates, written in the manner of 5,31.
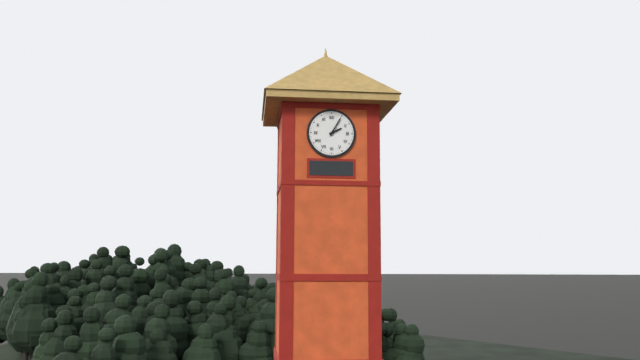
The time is 2,05
